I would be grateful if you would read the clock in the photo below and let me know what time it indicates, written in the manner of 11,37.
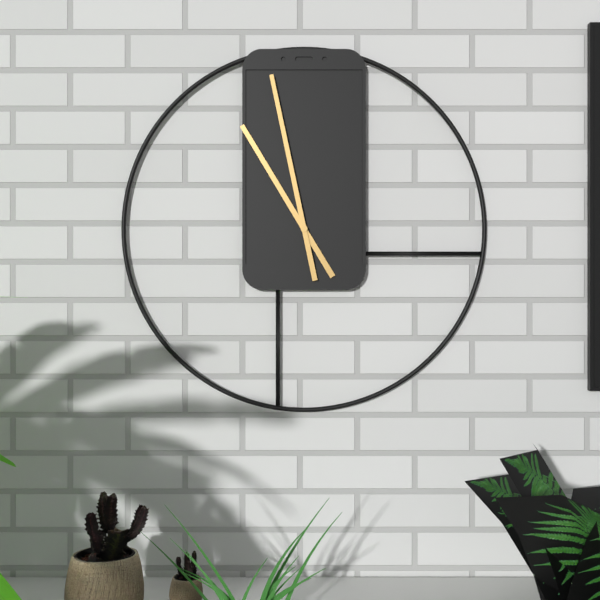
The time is 10,58
